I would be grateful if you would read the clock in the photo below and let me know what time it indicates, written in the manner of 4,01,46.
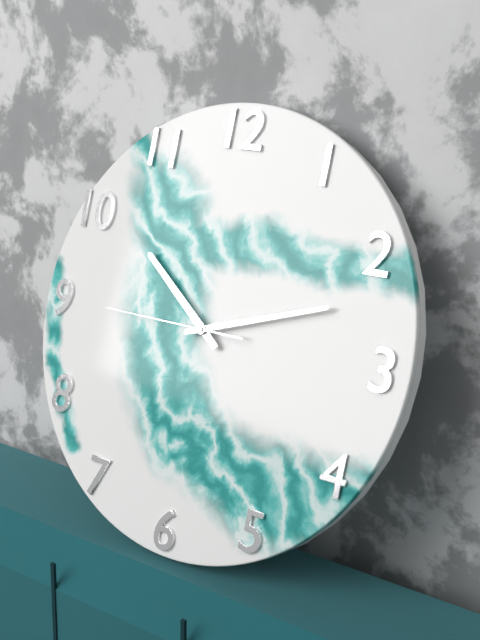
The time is 10,12,45
